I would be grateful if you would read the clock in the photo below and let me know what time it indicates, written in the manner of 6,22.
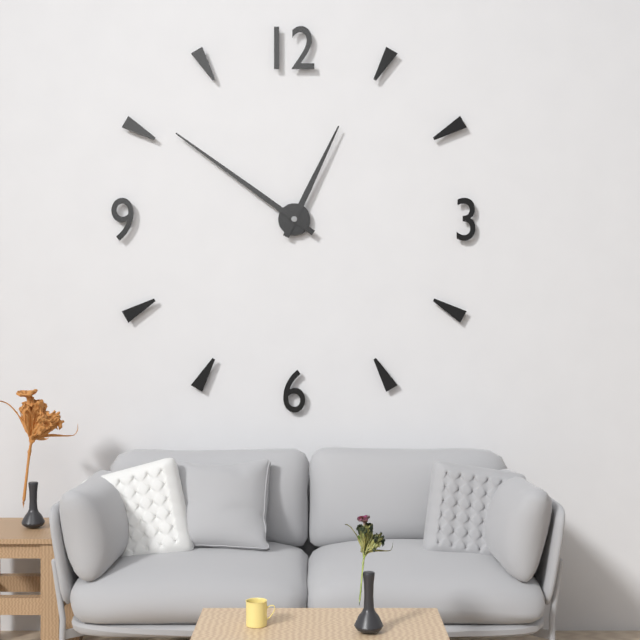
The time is 12,51
